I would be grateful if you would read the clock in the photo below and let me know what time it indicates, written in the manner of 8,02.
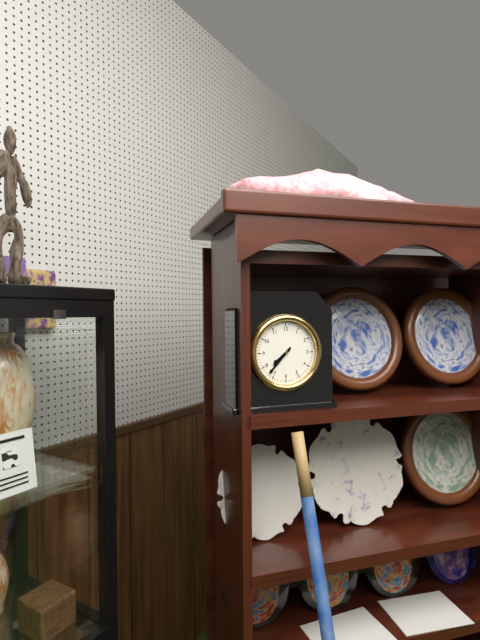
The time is 7,37
